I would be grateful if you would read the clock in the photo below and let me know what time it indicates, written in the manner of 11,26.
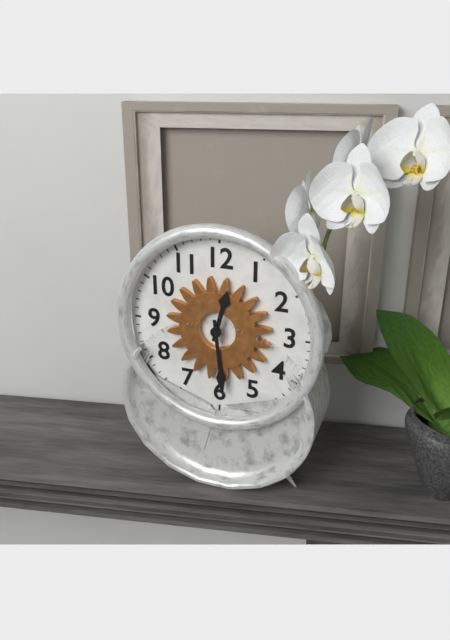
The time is 12,29
